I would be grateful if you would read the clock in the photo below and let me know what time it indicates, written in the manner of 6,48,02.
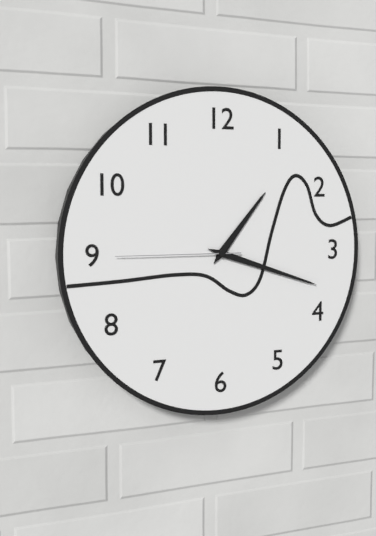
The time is 1,18,45
